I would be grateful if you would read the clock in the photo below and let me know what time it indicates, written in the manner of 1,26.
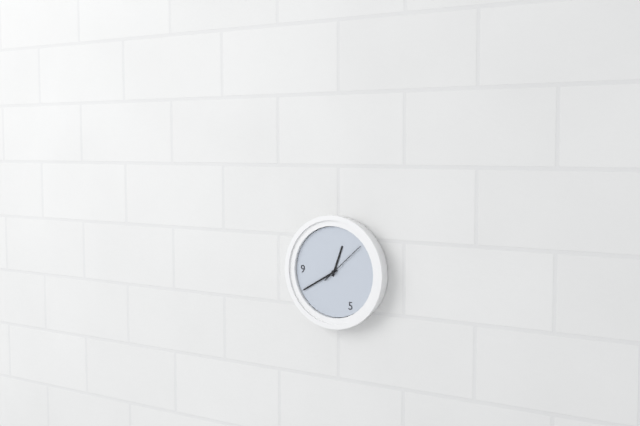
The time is 12,40
